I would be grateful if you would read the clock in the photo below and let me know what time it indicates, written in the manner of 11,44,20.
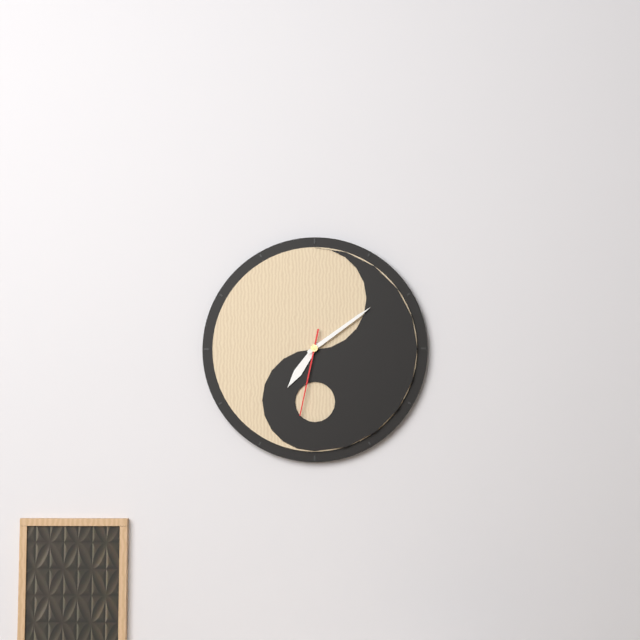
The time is 7,09,32
